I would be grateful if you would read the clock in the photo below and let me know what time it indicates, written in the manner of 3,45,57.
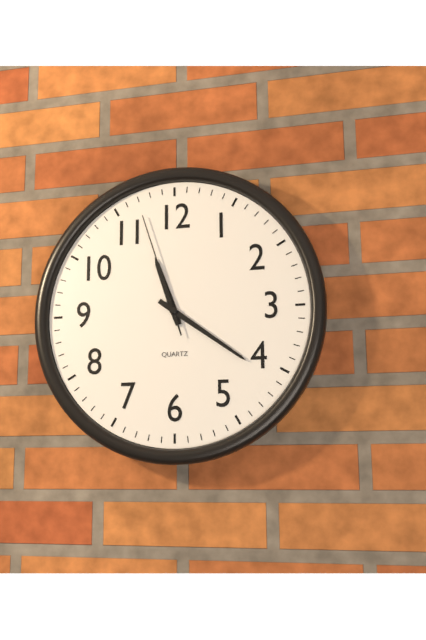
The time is 11,21,57
